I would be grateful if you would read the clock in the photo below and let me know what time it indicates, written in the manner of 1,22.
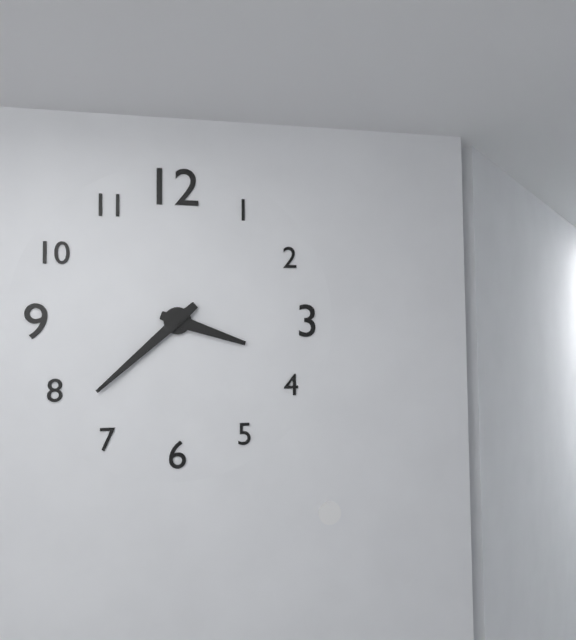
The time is 3,38
